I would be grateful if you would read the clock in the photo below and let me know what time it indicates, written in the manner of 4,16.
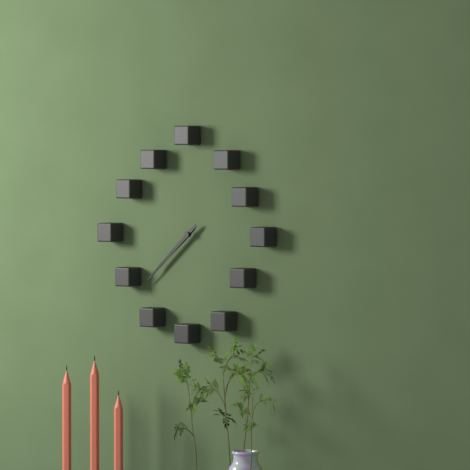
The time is 7,38
